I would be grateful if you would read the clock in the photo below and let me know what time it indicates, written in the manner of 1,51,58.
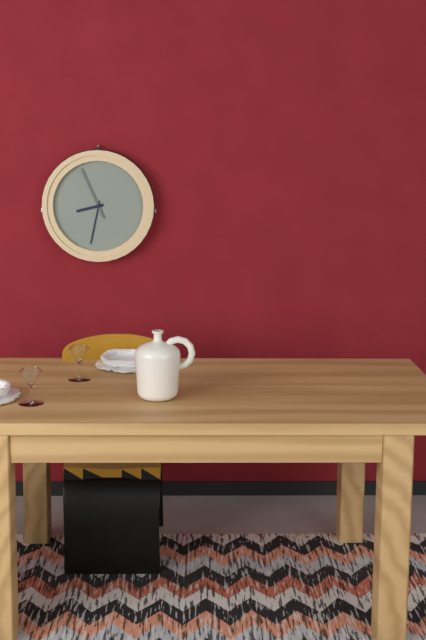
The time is 8,32,56
